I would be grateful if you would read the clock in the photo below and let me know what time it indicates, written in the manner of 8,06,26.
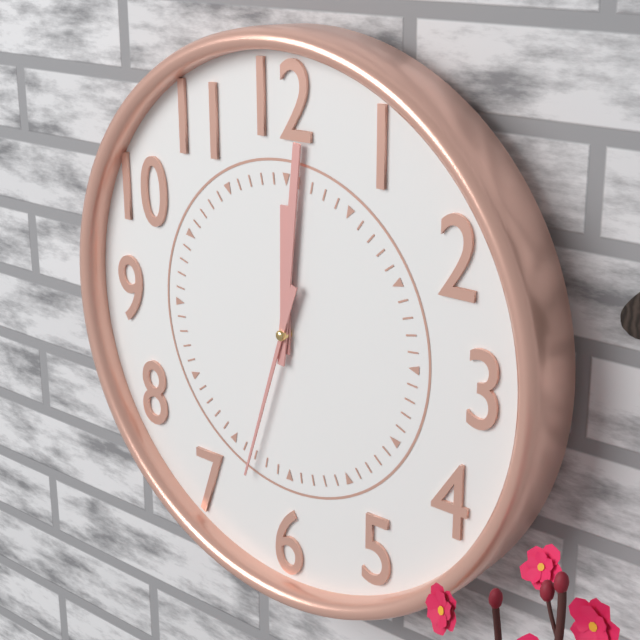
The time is 12,01,33
